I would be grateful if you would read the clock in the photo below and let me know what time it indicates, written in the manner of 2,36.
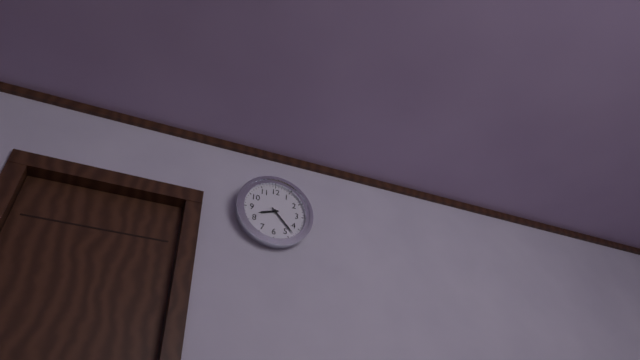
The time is 8,23
